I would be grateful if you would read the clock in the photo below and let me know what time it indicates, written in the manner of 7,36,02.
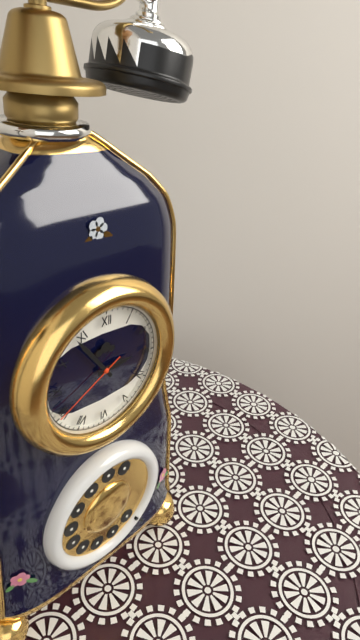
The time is 2,54,40
